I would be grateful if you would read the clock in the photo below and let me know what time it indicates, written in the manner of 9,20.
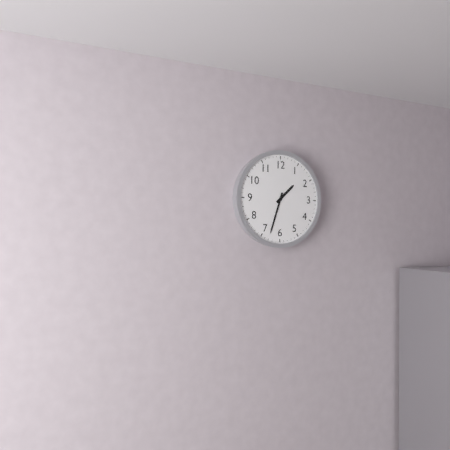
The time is 1,33
